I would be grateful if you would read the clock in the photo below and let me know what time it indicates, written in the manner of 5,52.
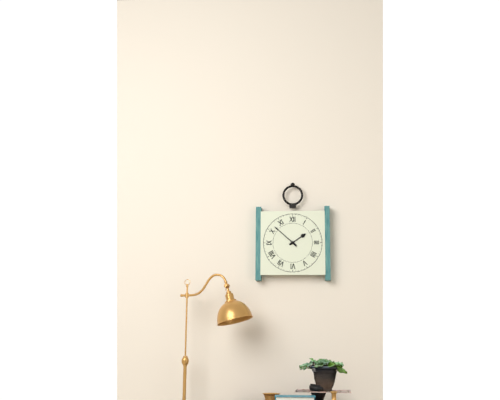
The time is 1,52
